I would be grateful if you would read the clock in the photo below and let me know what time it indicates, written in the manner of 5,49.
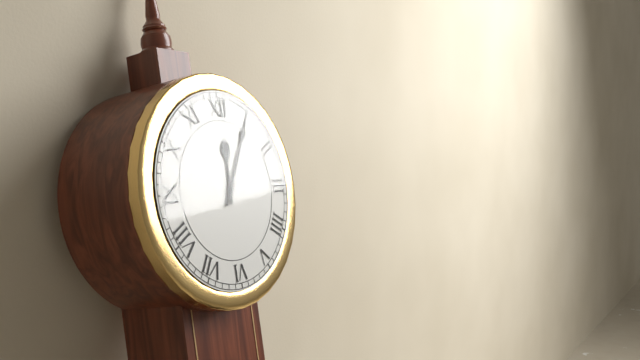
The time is 12,05
